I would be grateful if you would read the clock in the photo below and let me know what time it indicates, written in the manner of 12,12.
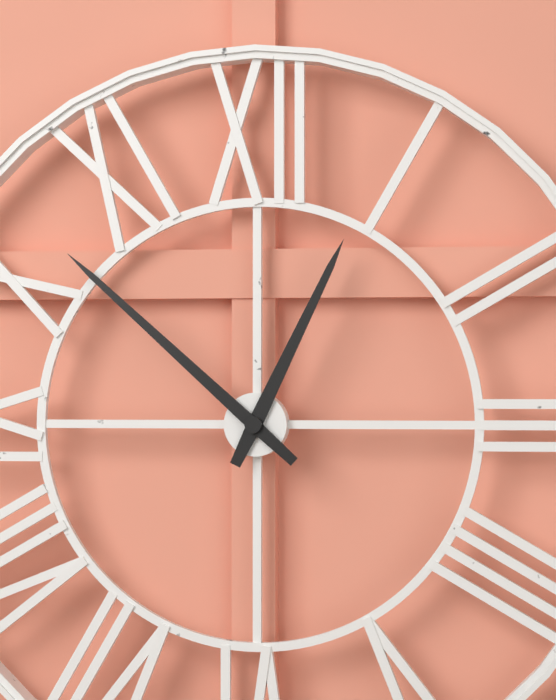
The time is 12,52
